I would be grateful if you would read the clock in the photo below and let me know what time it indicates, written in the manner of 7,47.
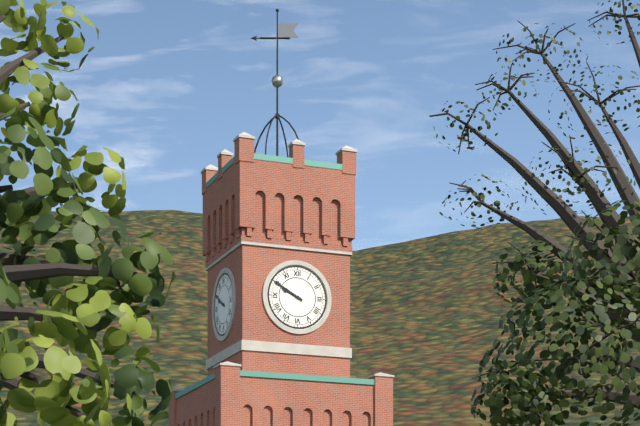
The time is 9,50
